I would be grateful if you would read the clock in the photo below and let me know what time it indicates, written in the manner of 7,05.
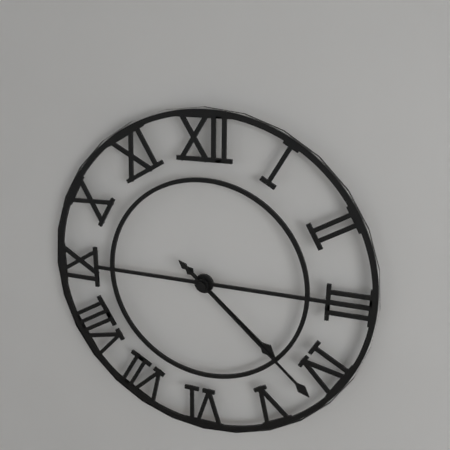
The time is 4,22
